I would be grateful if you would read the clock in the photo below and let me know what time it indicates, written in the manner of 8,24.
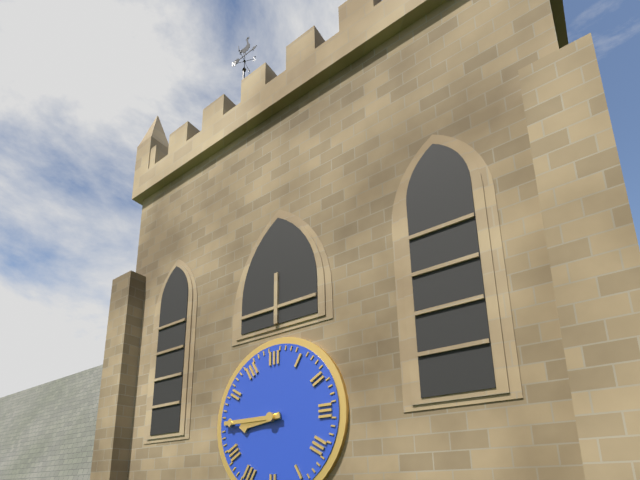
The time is 8,45
